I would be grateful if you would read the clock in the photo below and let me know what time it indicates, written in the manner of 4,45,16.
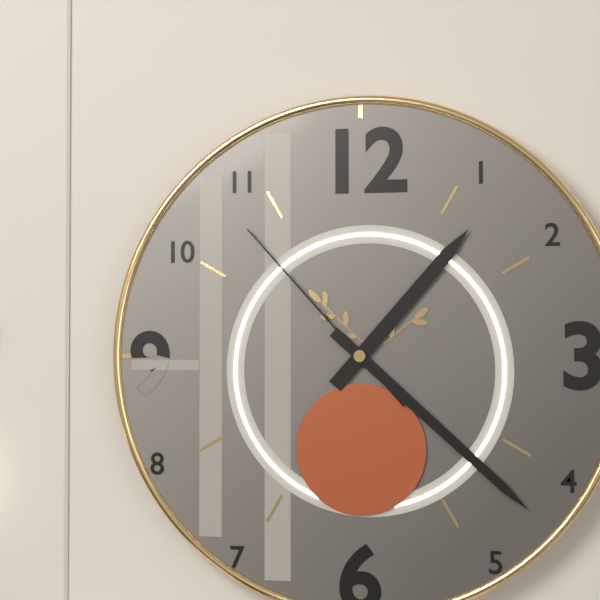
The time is 1,22,53
